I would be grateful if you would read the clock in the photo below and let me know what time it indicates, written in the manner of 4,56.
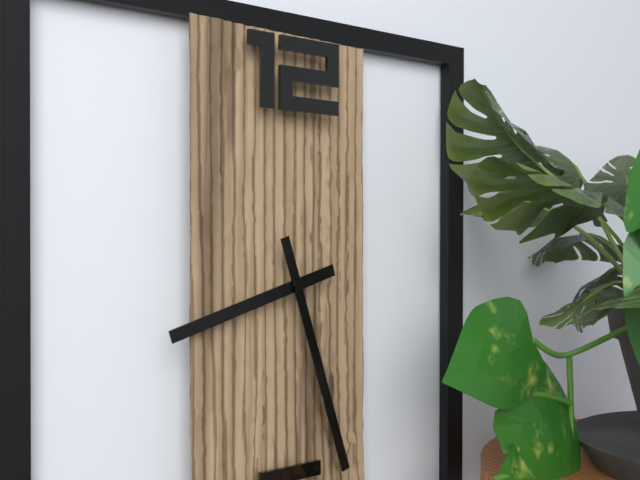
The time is 8,27
